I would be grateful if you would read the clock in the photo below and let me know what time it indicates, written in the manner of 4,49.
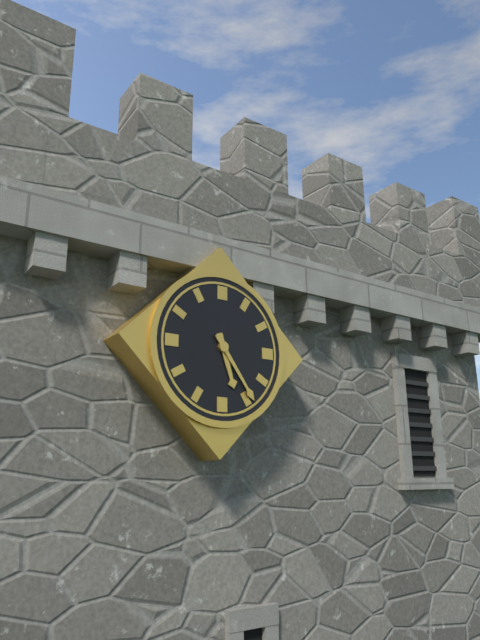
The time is 5,24
